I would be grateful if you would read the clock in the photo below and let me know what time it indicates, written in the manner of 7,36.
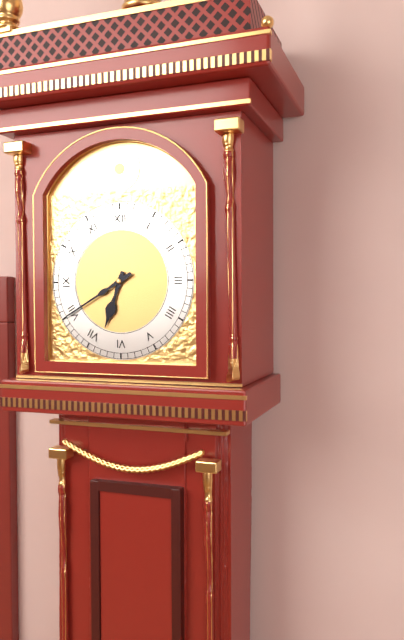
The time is 6,40
